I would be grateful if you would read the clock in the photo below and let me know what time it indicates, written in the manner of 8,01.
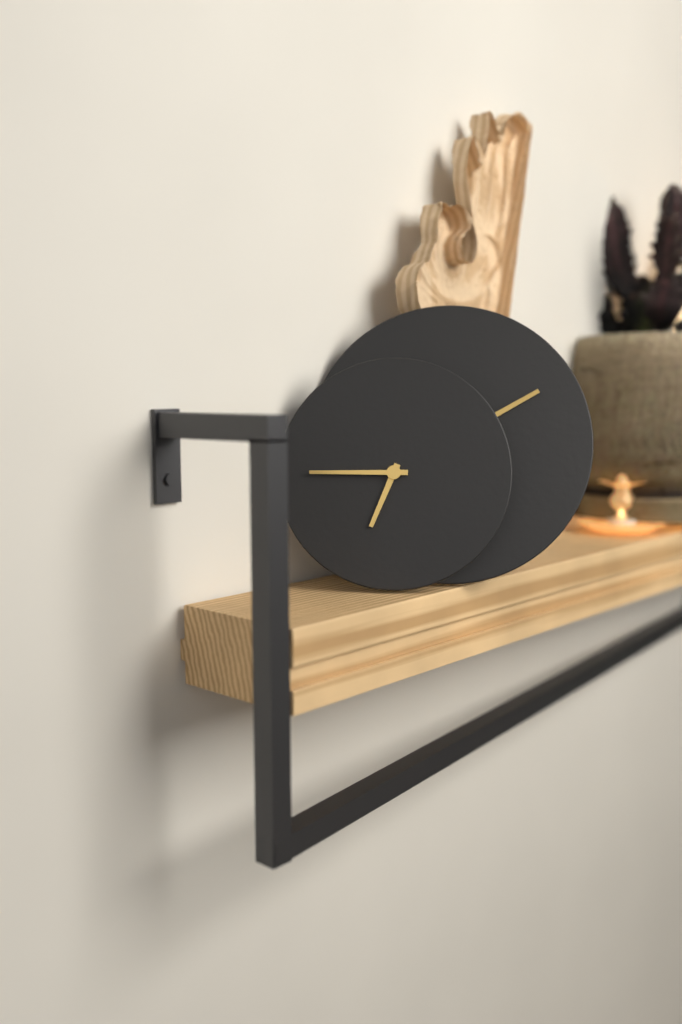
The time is 6,45
